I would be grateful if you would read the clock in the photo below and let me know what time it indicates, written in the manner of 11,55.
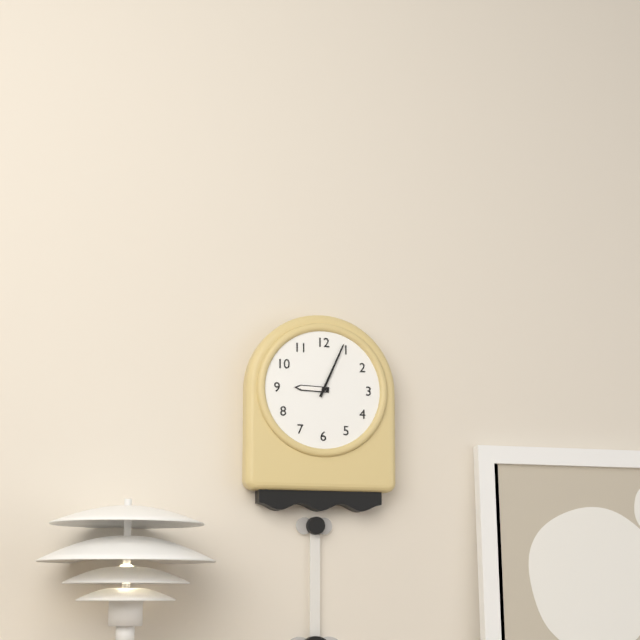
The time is 9,04
